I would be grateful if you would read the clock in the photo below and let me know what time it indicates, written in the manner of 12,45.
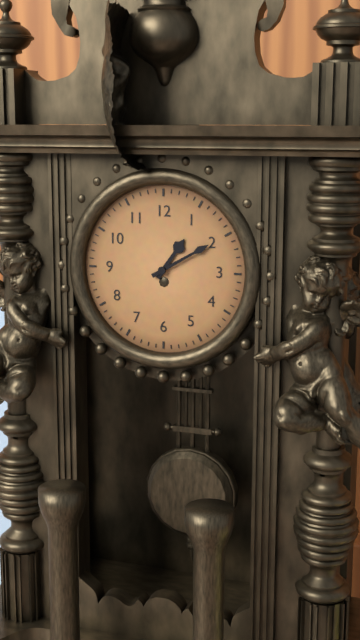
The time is 1,10
